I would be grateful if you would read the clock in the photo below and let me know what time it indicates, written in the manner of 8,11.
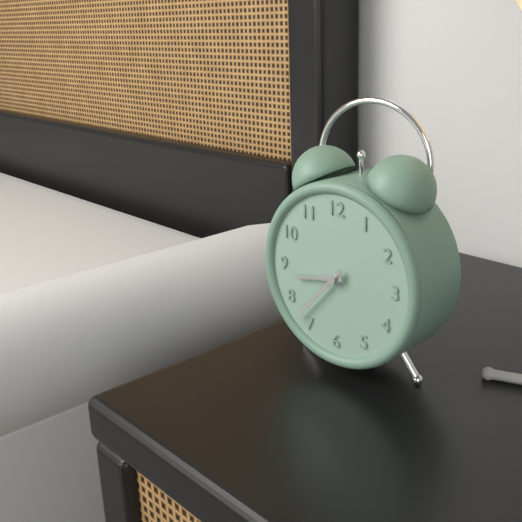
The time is 8,37
